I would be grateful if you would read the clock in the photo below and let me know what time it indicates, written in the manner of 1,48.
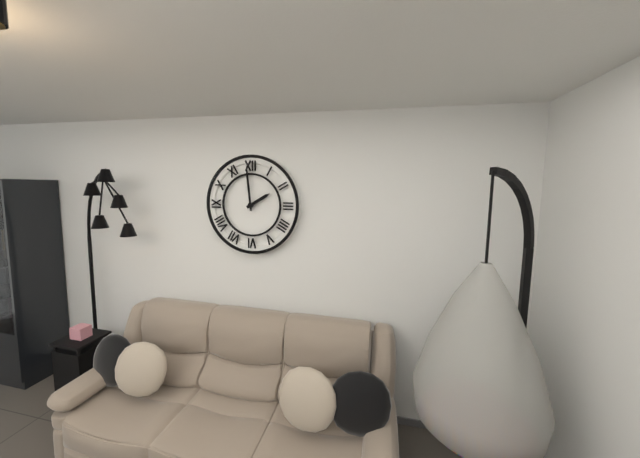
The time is 1,59
